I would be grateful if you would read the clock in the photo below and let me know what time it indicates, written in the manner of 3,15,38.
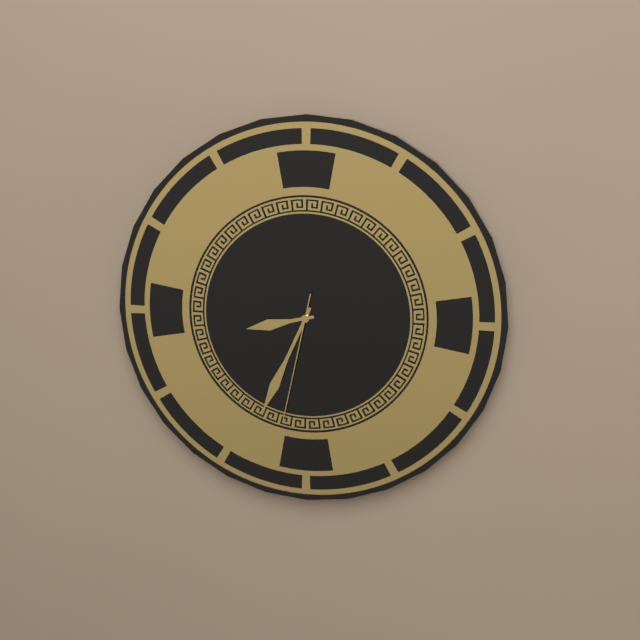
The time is 8,34,32
